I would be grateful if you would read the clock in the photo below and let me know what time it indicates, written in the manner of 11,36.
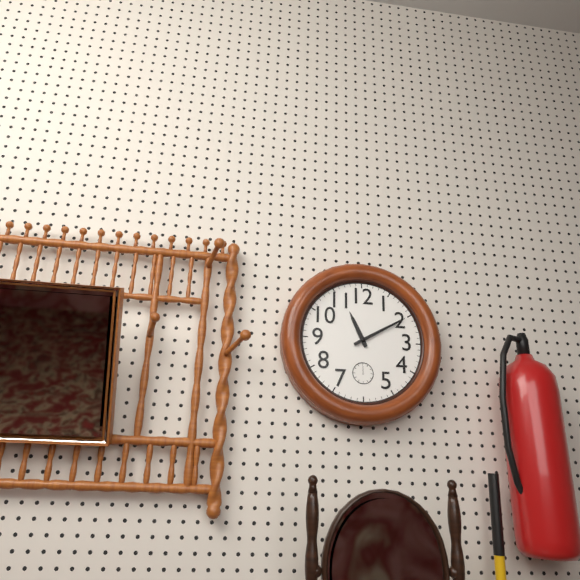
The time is 11,10
